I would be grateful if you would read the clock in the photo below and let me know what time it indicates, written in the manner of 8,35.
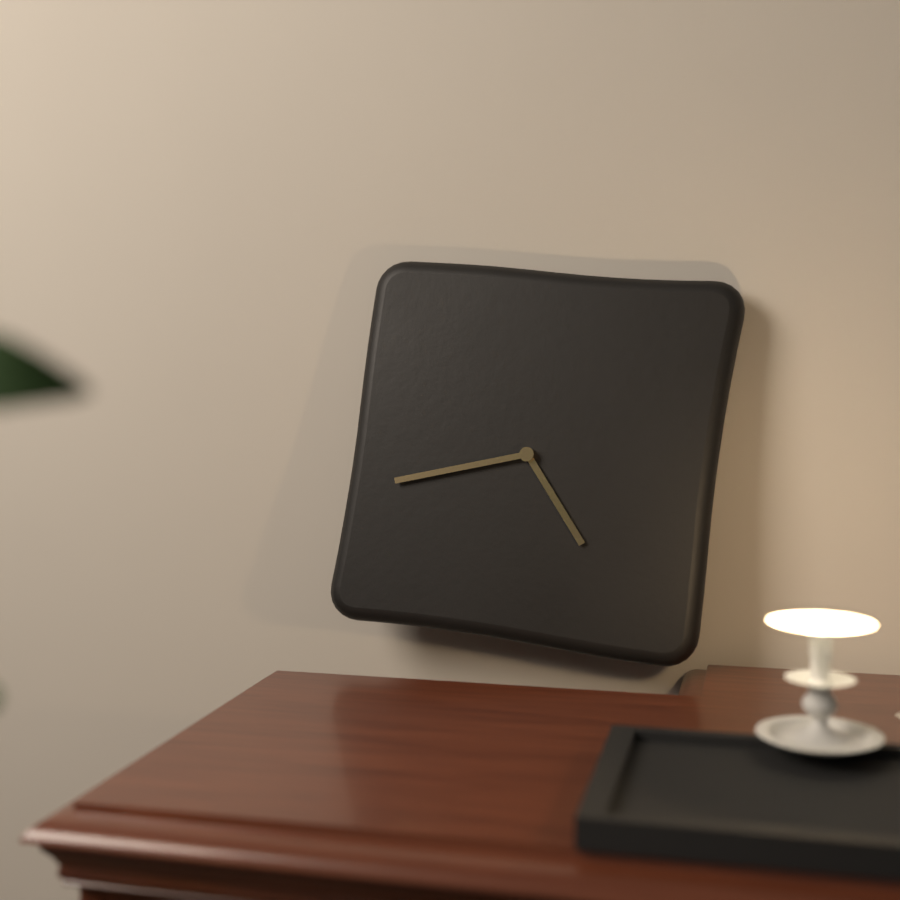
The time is 4,42
